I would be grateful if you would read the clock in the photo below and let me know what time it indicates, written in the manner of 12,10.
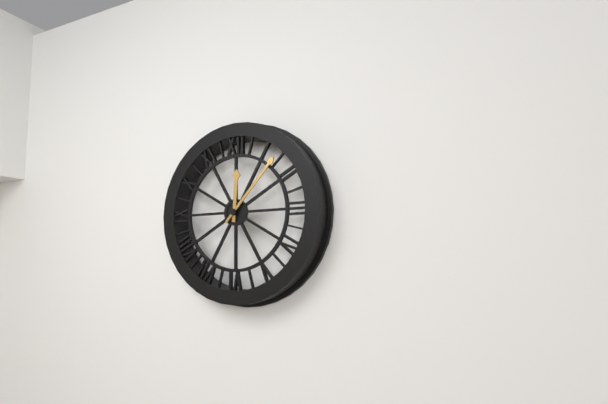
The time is 12,07
